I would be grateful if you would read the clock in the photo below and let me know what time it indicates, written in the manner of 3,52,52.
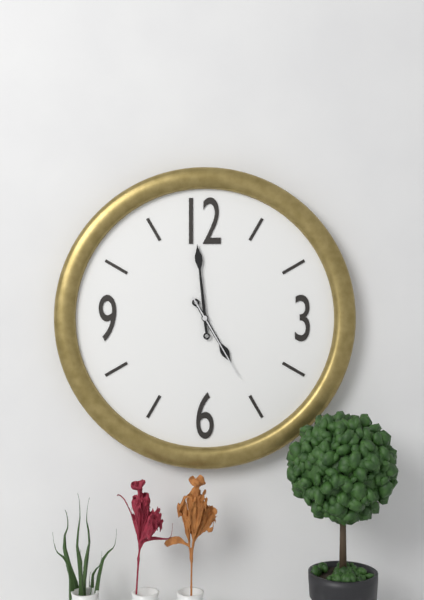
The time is 4,59,25
